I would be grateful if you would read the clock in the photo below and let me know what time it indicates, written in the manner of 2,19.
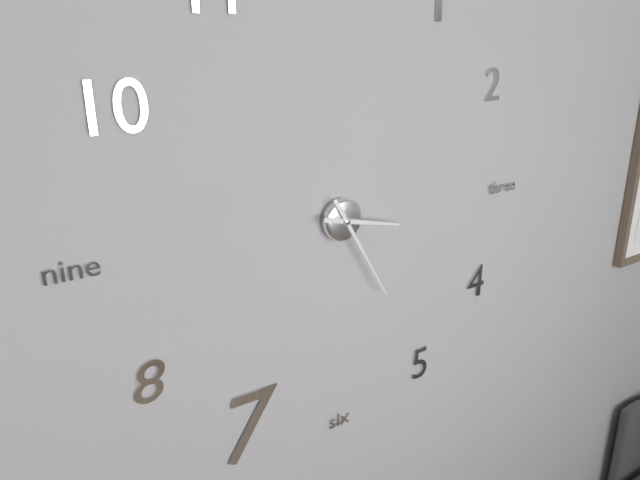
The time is 3,25
